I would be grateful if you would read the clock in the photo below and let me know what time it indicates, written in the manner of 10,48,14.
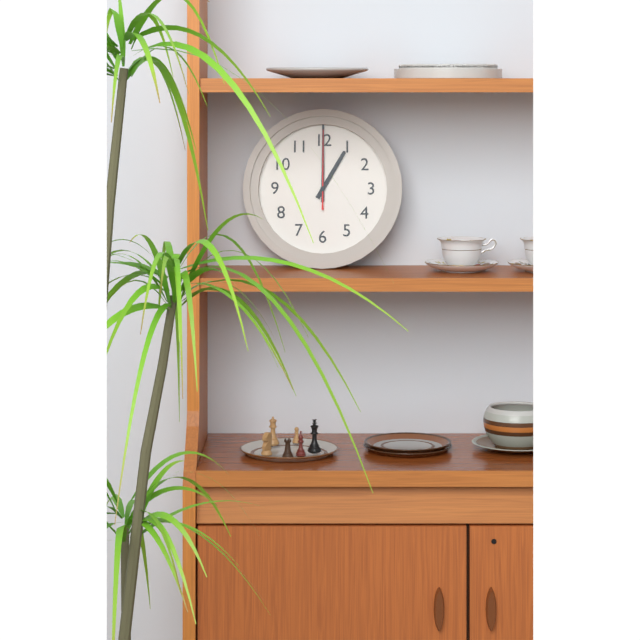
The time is 1,00,00
